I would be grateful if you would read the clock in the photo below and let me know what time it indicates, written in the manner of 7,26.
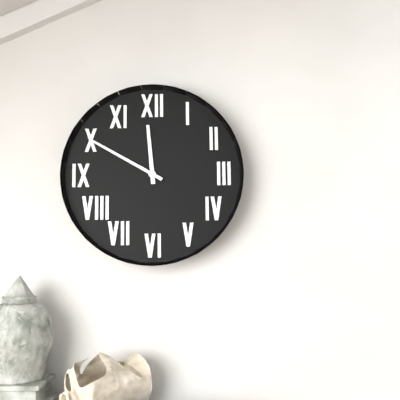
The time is 11,50
